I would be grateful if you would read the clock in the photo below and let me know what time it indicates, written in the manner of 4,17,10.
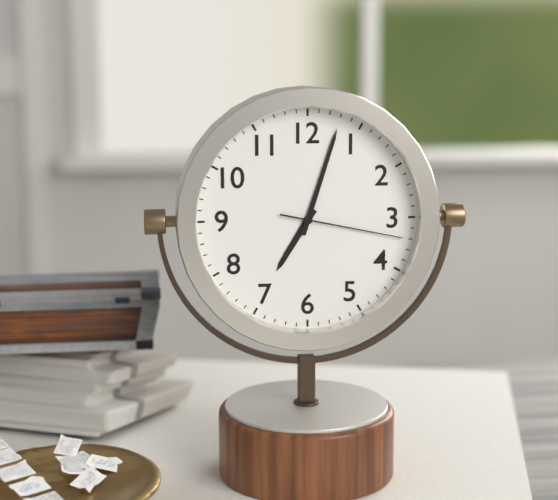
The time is 7,03,17
